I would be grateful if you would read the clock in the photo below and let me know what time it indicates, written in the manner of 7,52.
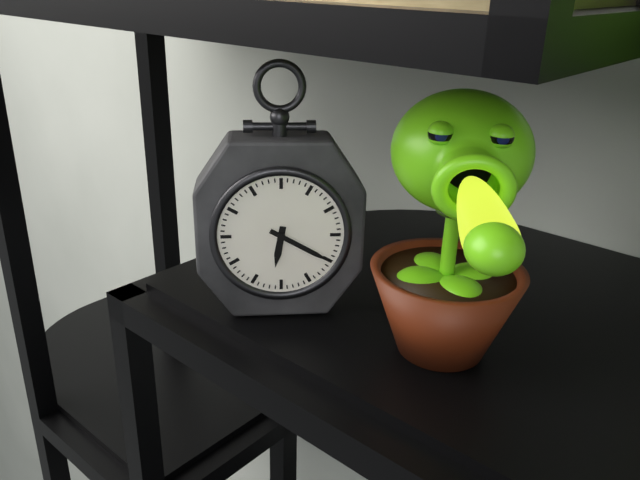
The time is 6,20
